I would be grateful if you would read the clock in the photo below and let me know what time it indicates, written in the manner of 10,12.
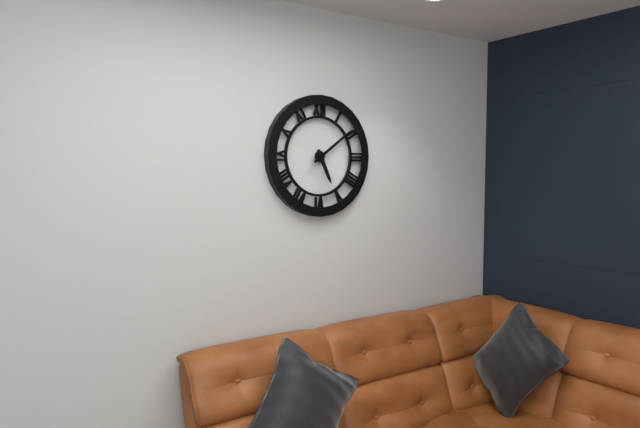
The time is 5,09
